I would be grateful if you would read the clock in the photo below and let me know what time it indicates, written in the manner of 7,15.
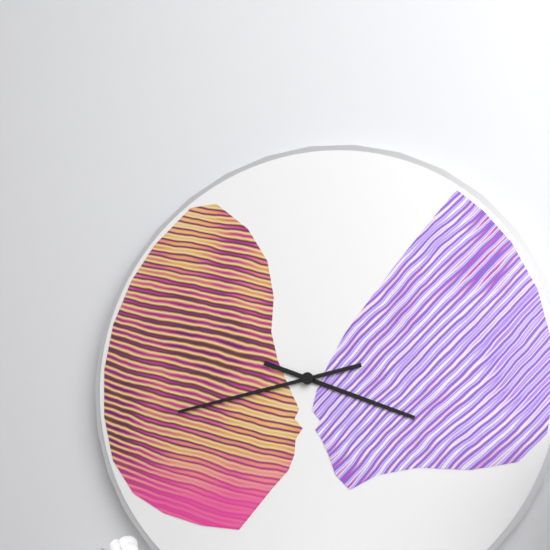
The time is 3,43
